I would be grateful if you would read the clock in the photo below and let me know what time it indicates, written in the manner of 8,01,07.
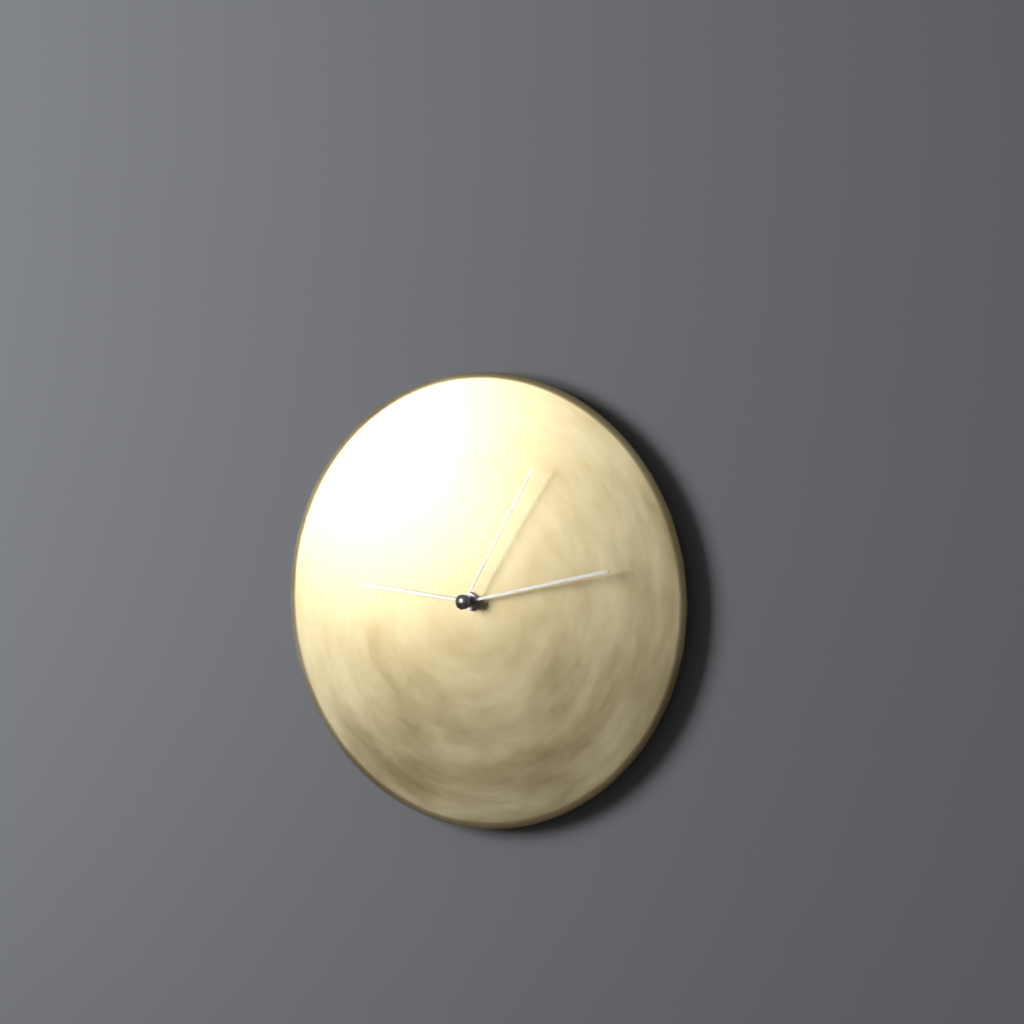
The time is 9,13,05
